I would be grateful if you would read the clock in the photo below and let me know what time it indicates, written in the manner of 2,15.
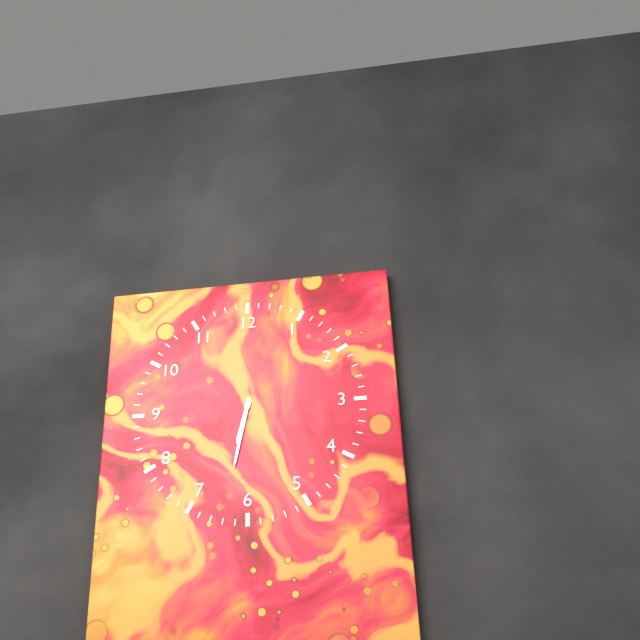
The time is 6,32
